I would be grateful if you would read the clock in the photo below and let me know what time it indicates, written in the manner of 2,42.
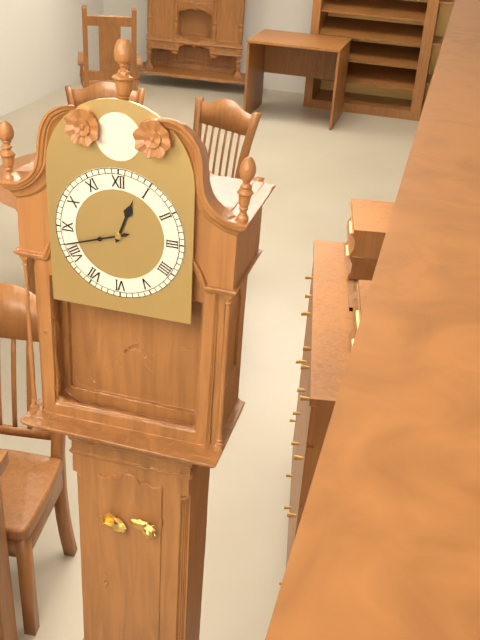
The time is 12,42
